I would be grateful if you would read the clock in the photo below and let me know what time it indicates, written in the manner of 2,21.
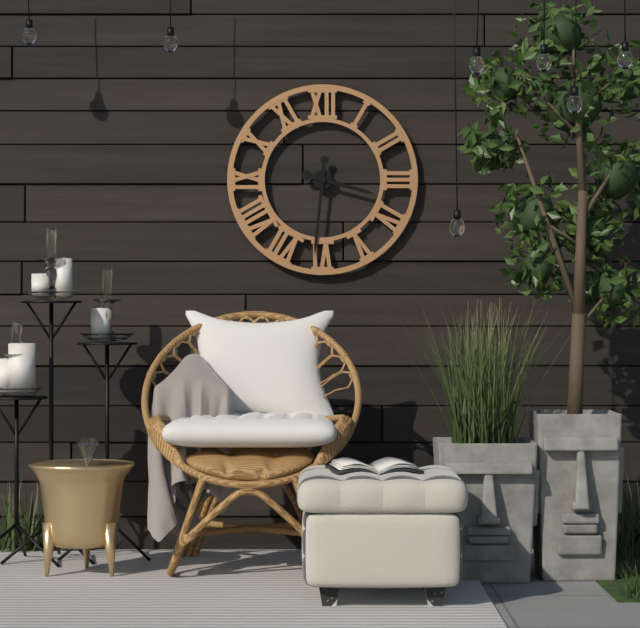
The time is 3,31
